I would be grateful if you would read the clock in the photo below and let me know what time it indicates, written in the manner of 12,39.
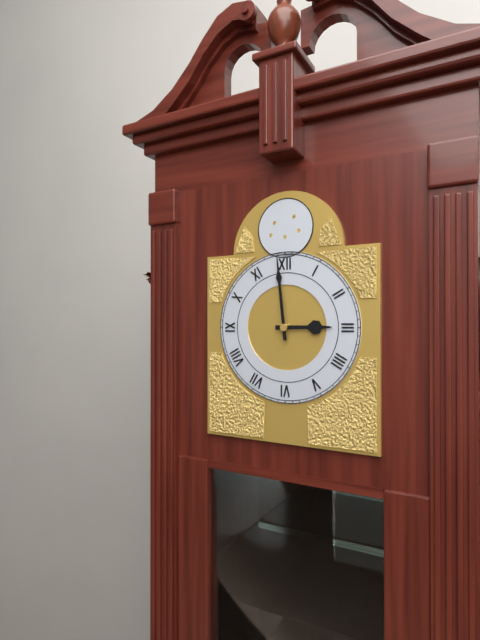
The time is 2,59
